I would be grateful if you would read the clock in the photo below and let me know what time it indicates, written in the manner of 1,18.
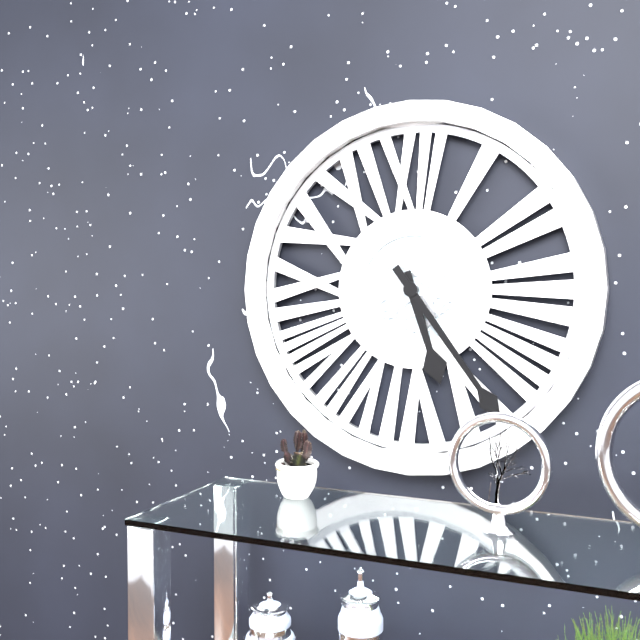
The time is 5,24
